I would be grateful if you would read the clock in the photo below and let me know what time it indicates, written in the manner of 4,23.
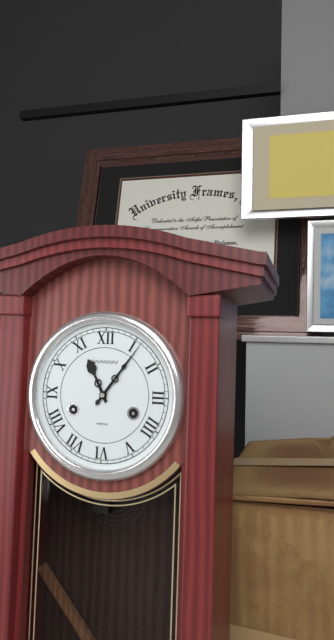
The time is 11,06
